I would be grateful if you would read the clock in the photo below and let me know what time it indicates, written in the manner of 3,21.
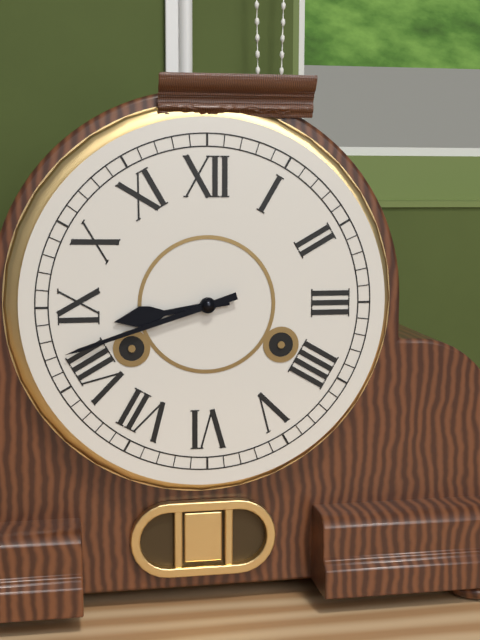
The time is 8,42
